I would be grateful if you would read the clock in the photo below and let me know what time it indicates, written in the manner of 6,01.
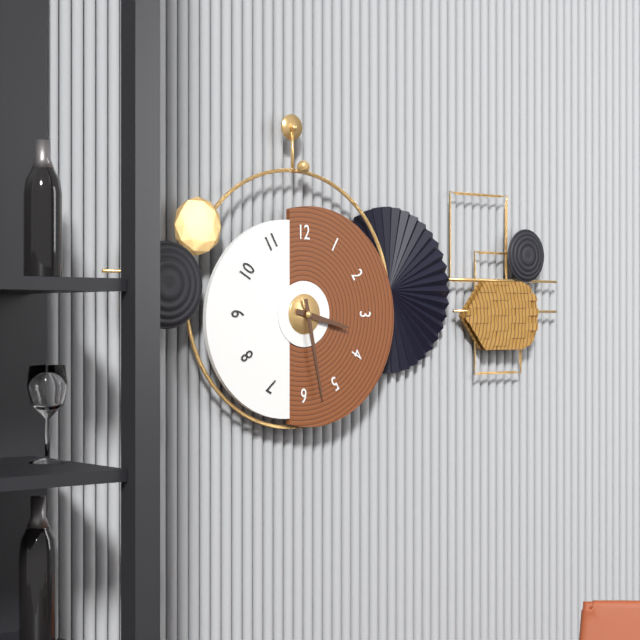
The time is 3,28
